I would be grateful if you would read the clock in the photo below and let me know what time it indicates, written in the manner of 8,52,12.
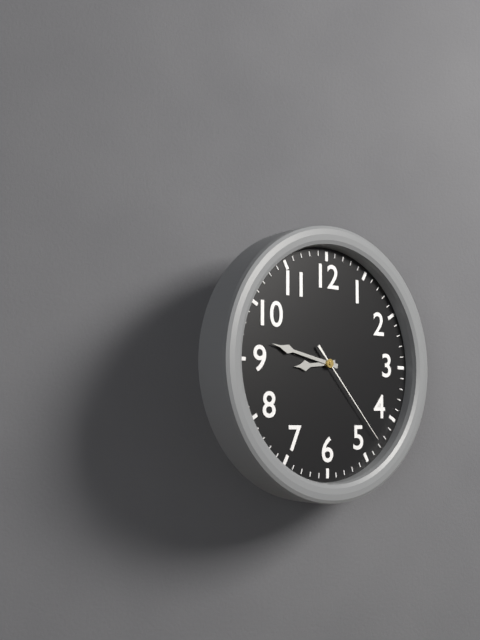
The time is 8,47,23
